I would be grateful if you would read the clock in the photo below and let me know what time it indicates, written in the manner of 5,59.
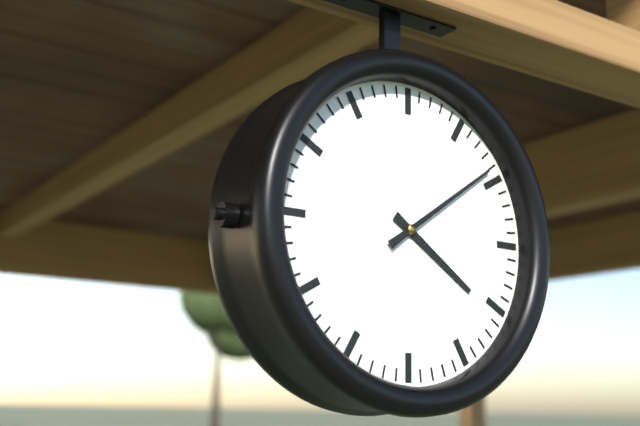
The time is 4,09
